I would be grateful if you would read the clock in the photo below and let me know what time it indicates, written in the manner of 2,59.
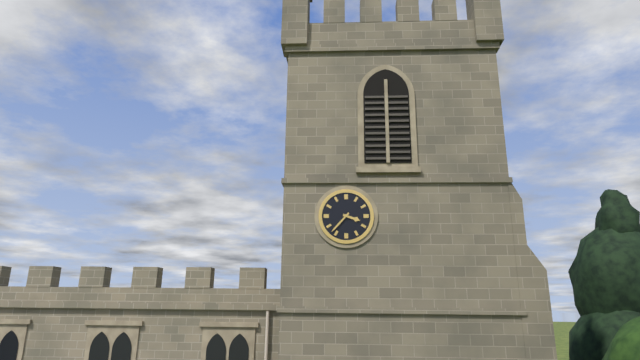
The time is 3,37
